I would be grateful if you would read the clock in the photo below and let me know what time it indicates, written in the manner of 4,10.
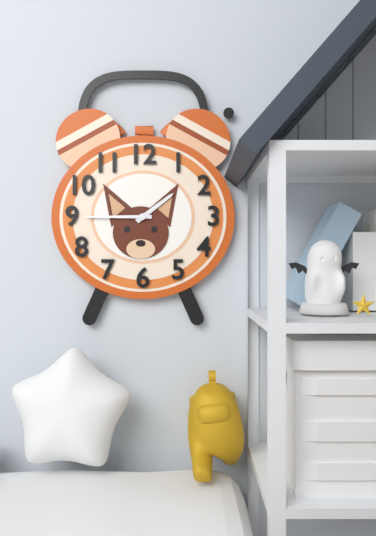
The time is 1,45
